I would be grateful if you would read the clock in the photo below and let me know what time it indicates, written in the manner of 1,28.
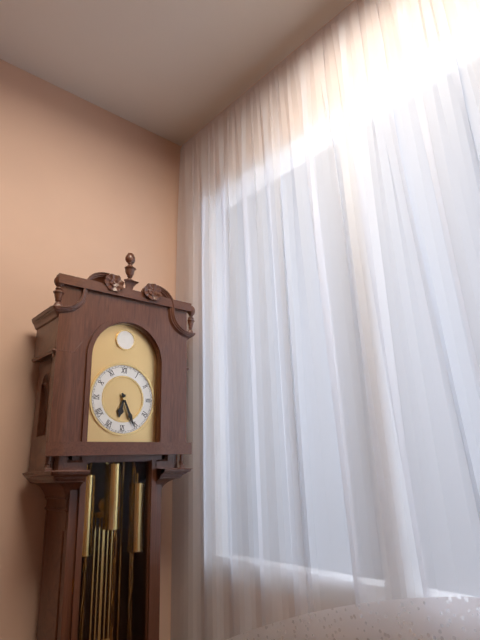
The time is 6,26
